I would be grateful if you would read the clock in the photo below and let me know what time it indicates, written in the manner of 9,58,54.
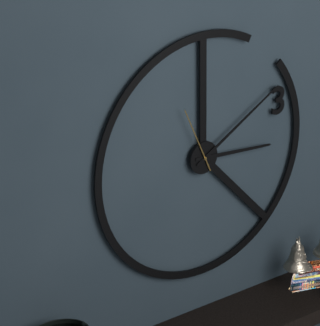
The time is 3,10,56
